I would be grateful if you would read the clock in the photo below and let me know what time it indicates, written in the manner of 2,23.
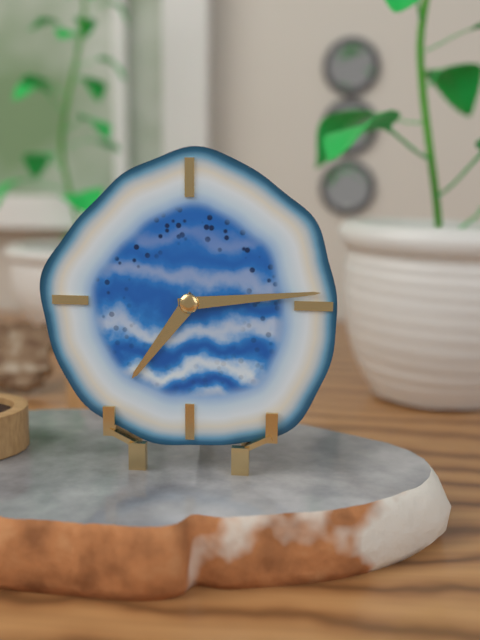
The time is 7,14
